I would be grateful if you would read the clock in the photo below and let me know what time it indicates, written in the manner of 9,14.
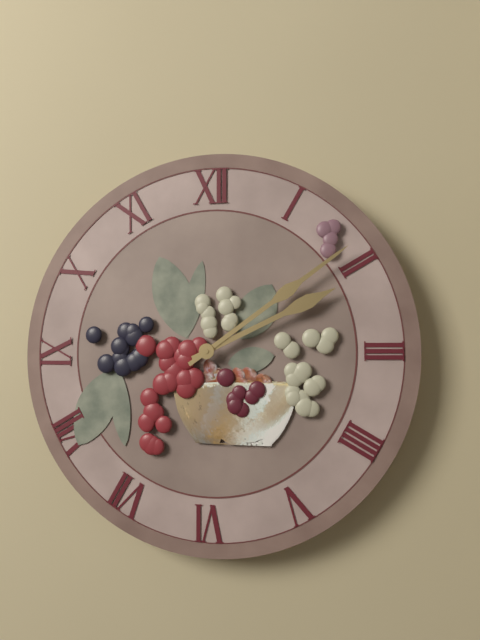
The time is 2,09
